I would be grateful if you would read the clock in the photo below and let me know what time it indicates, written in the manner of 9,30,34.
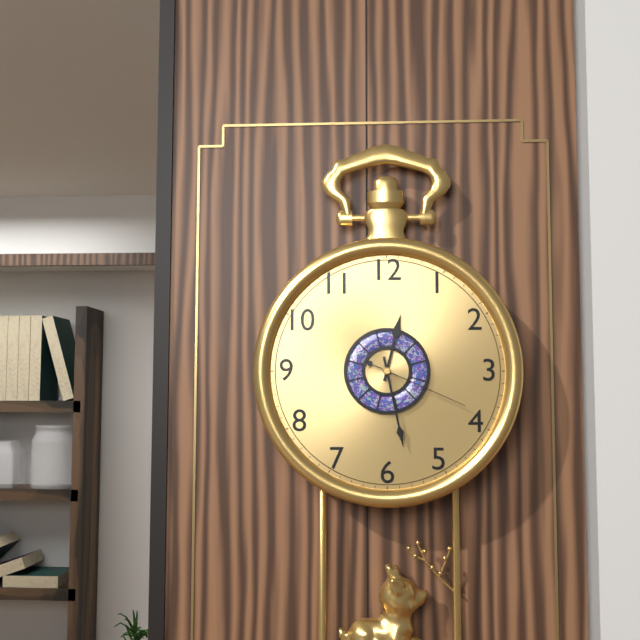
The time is 12,28,19
